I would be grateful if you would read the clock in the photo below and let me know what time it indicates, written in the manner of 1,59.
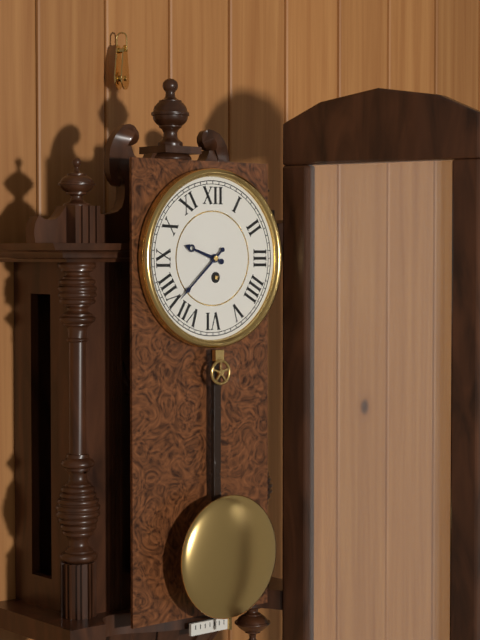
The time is 9,38
